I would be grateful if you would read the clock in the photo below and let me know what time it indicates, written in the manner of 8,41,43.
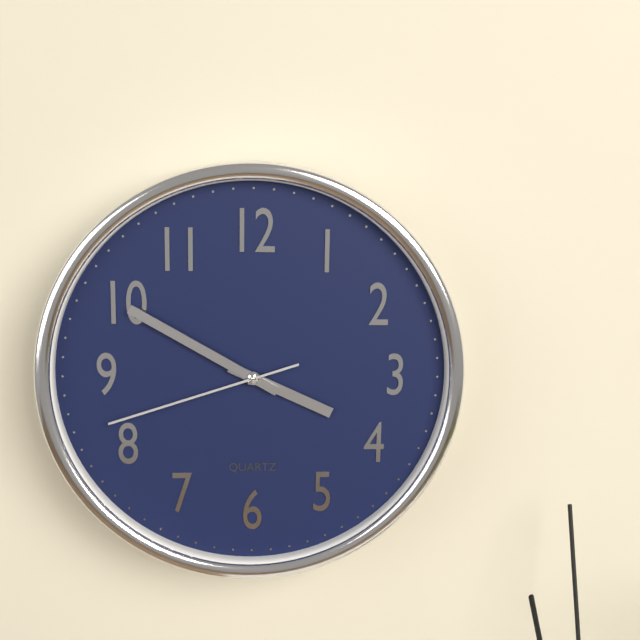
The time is 3,50,42
